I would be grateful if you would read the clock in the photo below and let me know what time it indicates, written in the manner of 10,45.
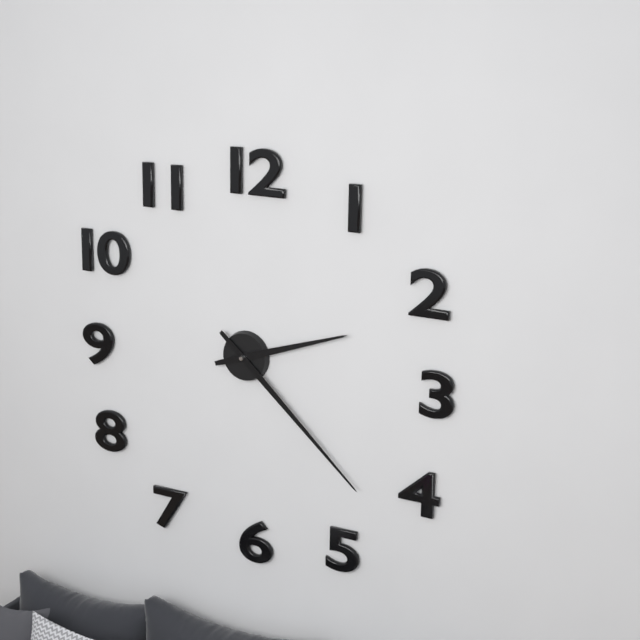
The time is 2,22
